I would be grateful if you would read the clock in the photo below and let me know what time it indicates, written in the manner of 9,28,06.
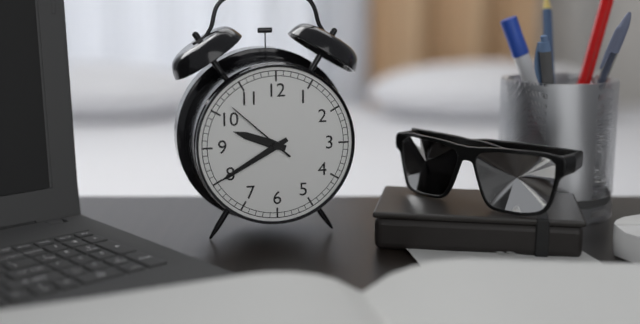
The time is 9,40,52
